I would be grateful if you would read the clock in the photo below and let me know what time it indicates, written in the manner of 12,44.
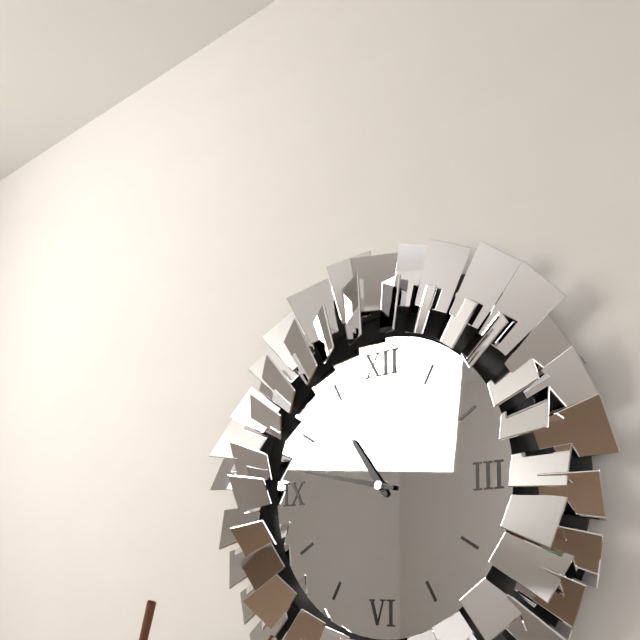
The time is 10,47
